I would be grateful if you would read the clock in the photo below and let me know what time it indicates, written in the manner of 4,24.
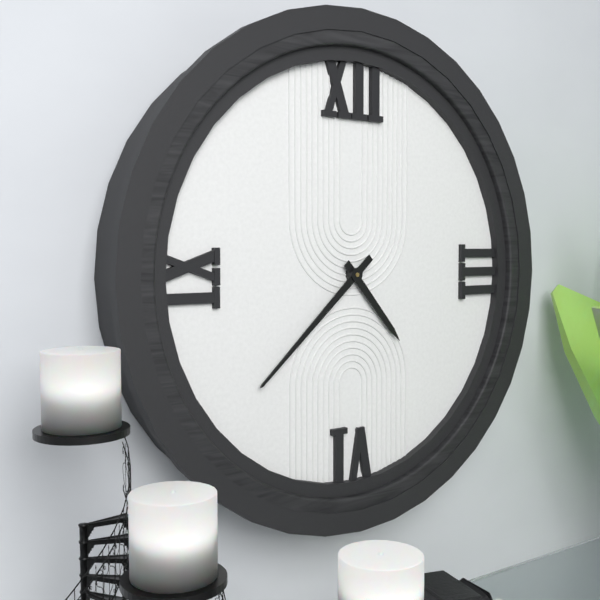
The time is 4,38
